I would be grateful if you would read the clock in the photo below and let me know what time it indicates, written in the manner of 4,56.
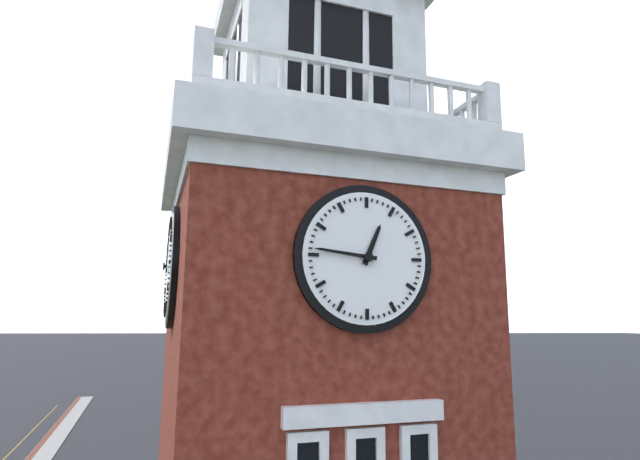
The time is 12,46
